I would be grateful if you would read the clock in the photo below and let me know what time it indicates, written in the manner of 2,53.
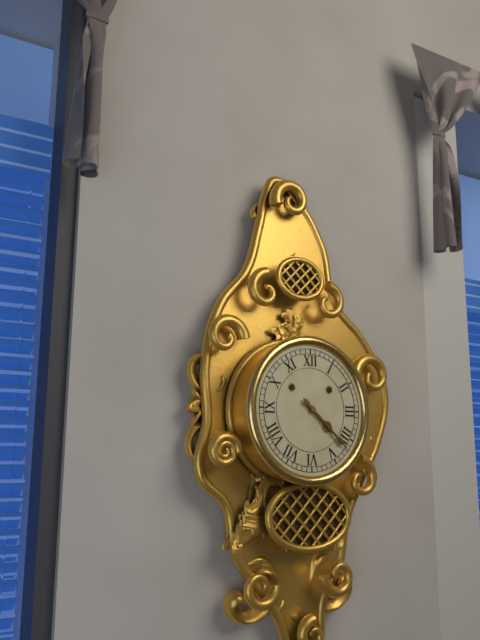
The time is 4,22
